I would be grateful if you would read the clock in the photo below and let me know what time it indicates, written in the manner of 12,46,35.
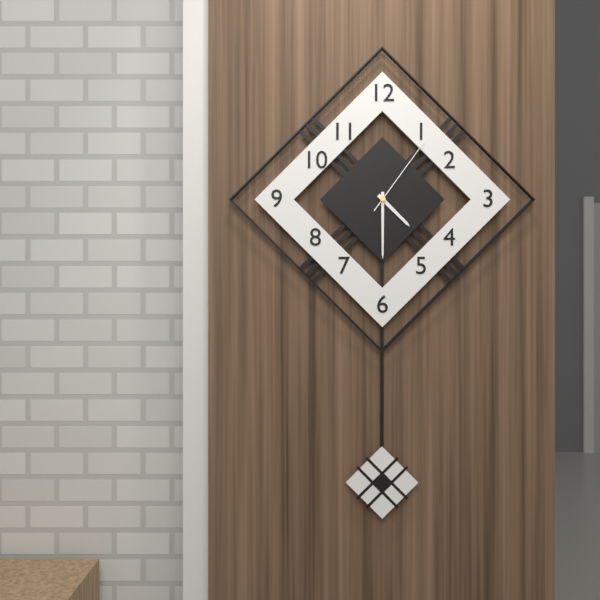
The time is 4,30,06
